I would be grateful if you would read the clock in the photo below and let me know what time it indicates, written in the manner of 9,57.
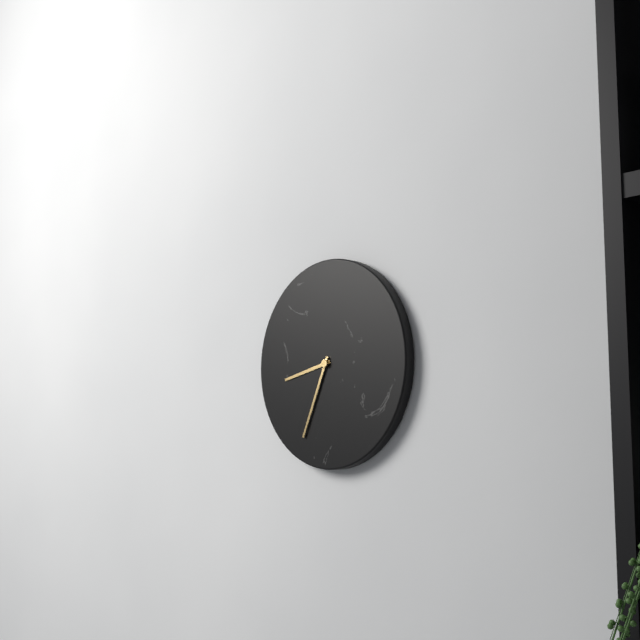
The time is 8,34
